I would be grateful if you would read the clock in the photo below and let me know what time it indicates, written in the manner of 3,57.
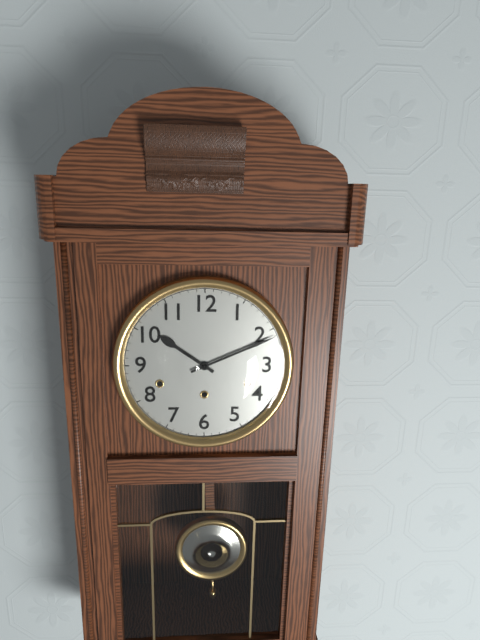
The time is 10,11
